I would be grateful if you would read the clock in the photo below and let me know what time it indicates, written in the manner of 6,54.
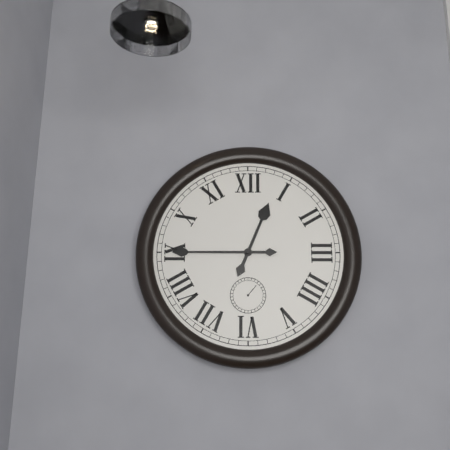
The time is 12,45
